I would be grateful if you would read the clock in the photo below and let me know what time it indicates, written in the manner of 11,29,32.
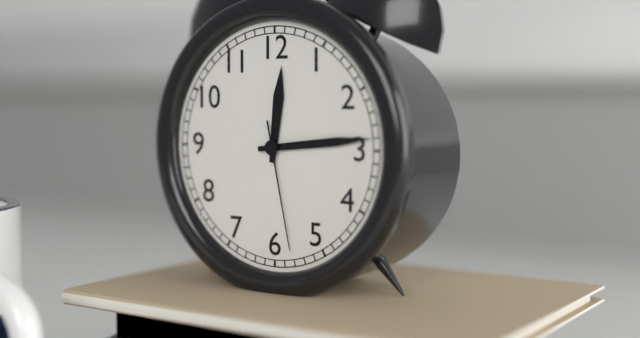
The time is 12,14,28
